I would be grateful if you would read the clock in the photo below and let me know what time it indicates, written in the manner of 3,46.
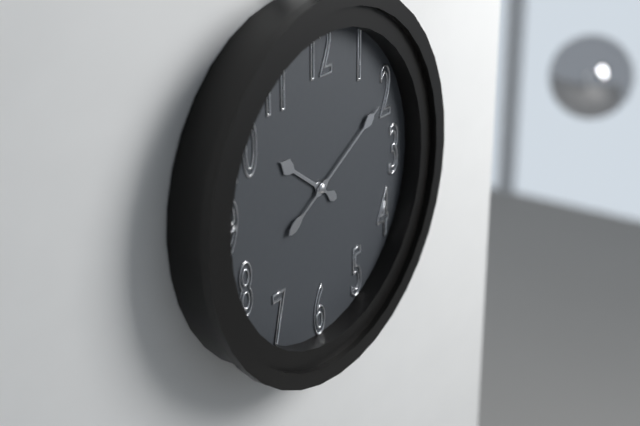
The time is 10,10
